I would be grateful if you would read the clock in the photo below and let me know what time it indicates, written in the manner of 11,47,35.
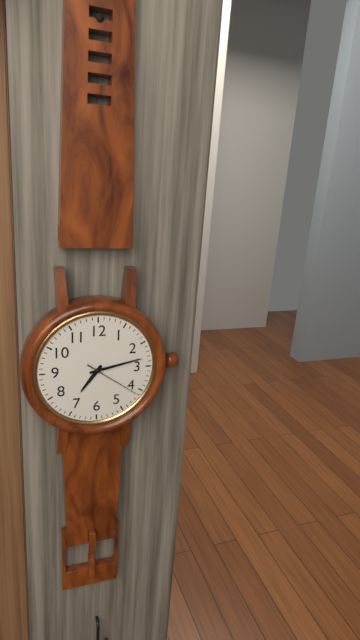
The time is 7,13,21
